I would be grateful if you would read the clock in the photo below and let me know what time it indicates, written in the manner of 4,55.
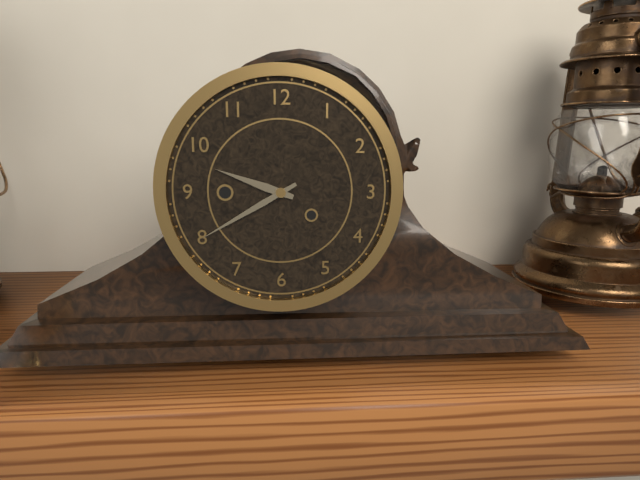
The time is 9,40
